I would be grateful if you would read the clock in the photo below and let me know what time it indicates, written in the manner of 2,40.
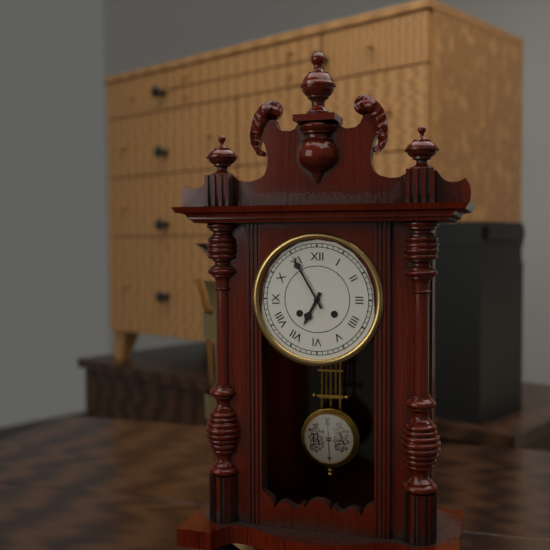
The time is 6,55
